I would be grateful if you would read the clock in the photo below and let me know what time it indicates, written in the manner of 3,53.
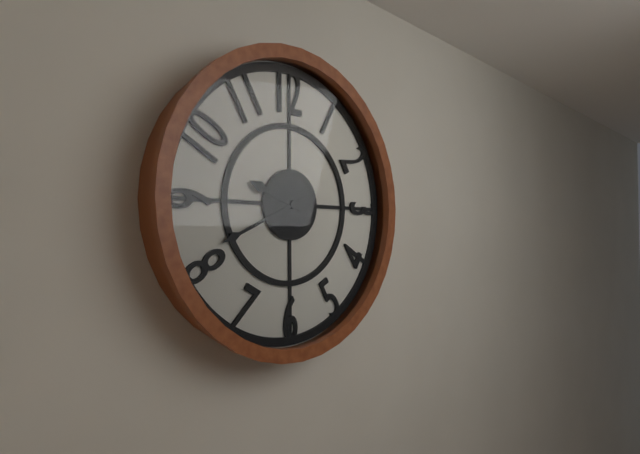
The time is 9,41
